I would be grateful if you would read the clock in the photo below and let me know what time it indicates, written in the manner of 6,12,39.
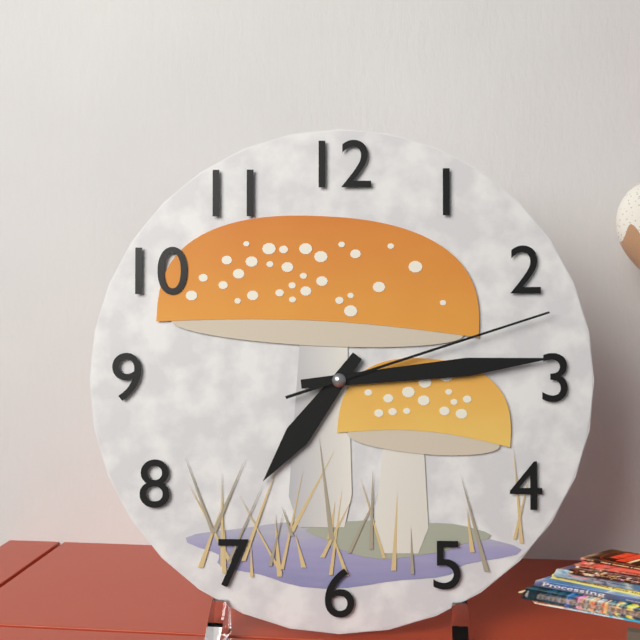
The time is 7,14,12
